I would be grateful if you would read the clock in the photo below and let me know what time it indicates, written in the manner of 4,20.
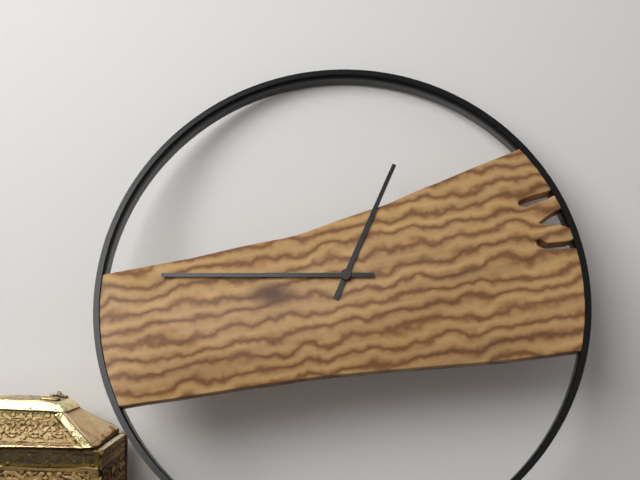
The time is 12,45
